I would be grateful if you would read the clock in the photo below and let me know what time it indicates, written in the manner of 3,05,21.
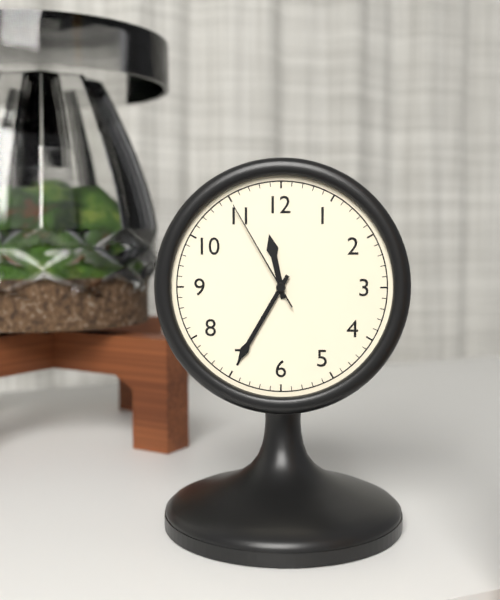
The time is 11,35,55
